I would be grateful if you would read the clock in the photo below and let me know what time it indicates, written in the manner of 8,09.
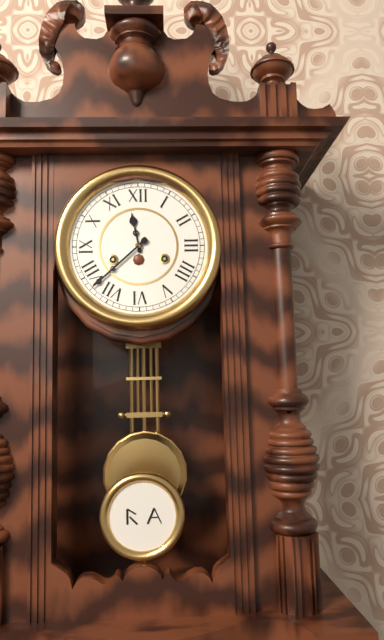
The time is 11,38
